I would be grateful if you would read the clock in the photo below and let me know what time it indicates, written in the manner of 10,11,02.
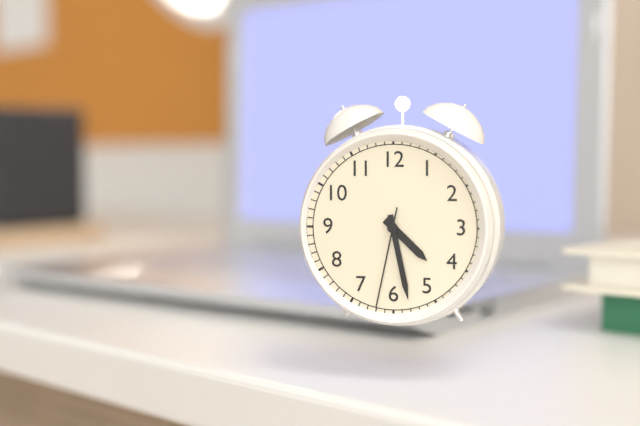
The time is 4,28,32
